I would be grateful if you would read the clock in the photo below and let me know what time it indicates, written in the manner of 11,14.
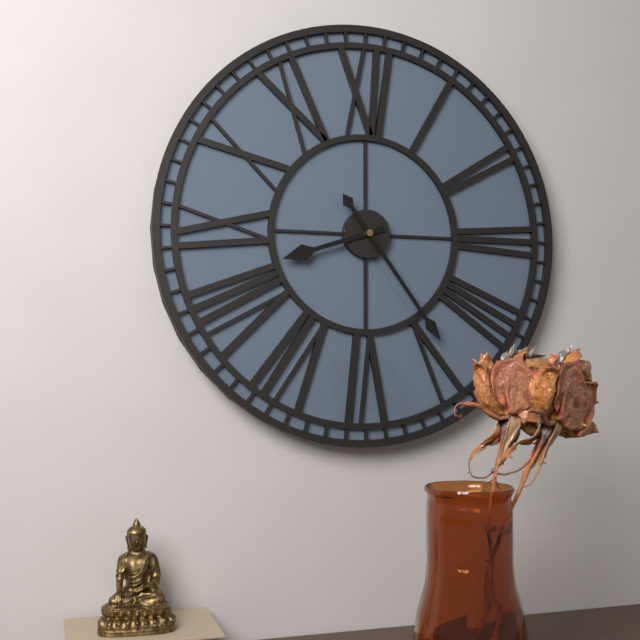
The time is 8,24
